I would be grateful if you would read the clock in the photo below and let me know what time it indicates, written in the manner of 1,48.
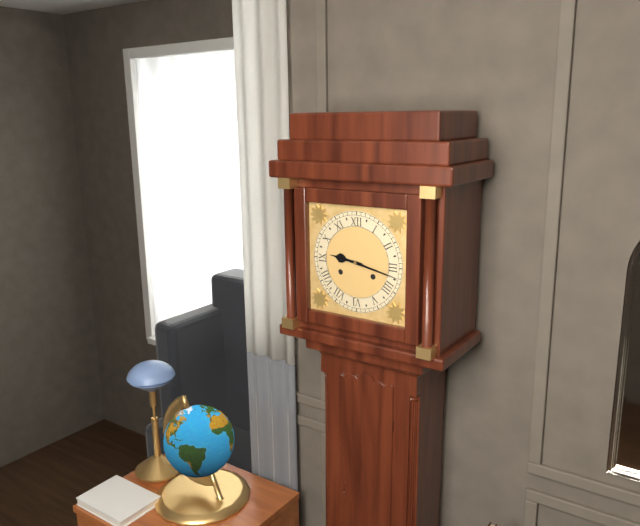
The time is 9,17
